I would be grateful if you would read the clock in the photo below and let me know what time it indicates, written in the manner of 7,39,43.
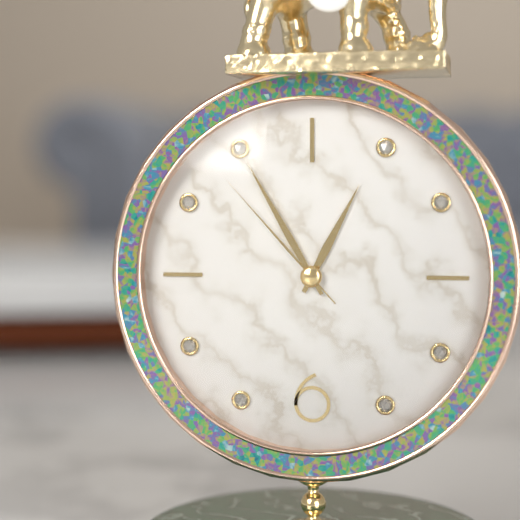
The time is 12,55,53
